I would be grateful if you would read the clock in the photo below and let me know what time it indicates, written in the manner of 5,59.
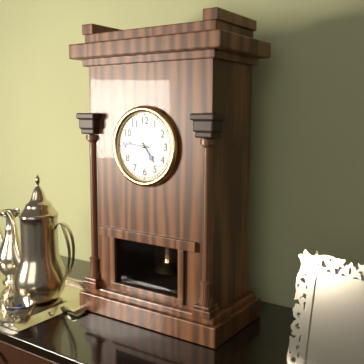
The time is 4,46
